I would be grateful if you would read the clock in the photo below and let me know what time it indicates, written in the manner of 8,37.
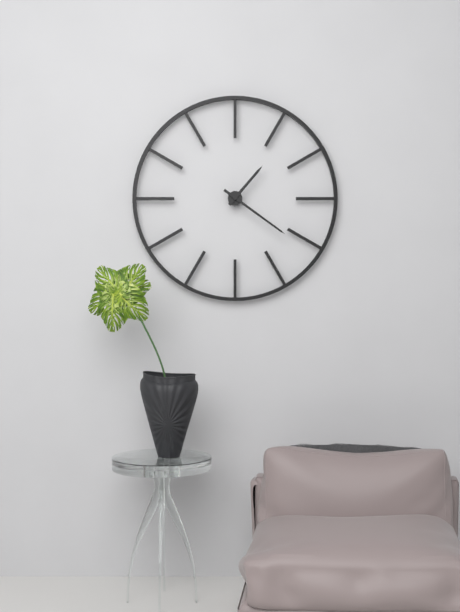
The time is 1,21
